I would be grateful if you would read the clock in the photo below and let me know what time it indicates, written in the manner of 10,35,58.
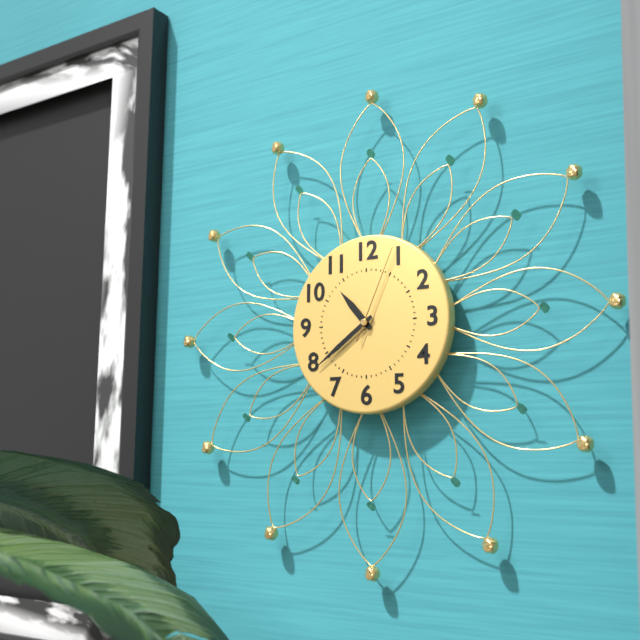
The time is 10,39,04
